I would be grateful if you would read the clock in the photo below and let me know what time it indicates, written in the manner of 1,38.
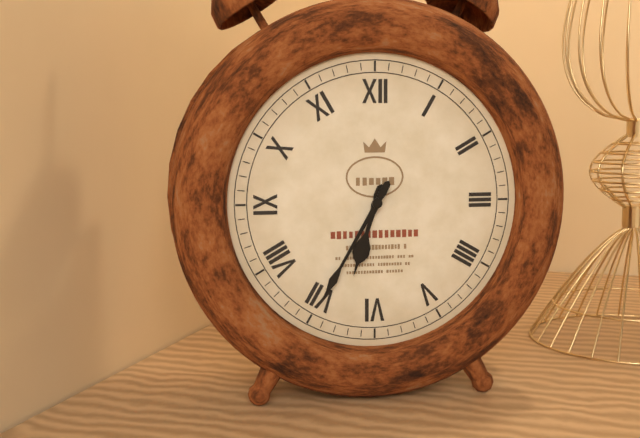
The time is 6,35
